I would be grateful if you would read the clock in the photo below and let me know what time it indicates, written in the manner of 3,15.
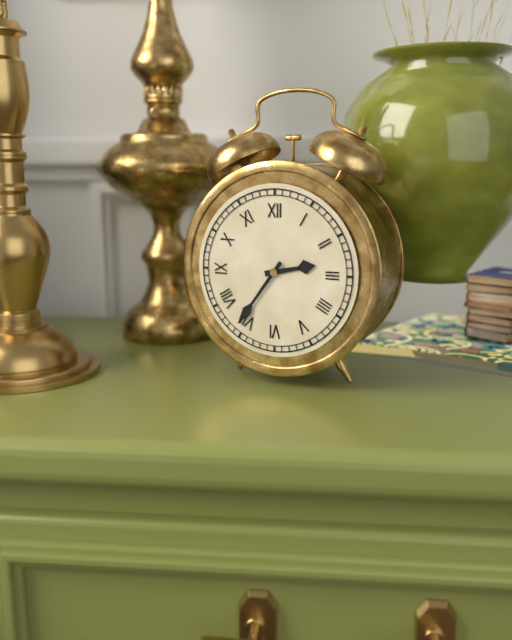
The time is 2,36
